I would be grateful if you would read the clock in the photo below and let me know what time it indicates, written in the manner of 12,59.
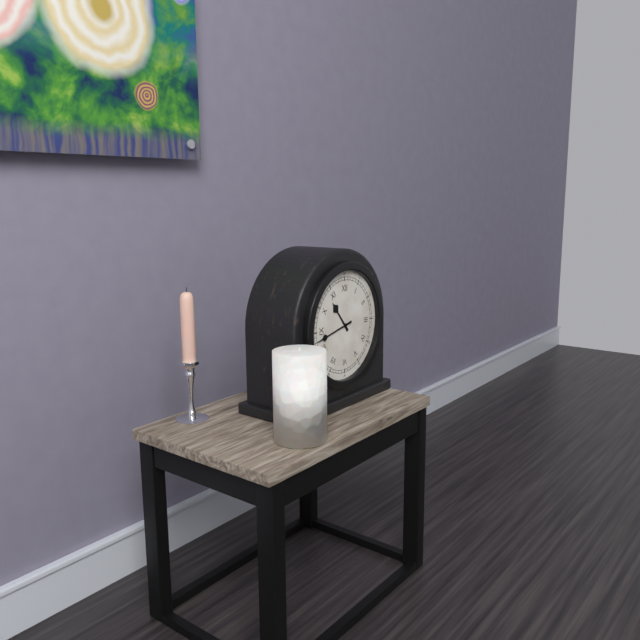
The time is 10,43
